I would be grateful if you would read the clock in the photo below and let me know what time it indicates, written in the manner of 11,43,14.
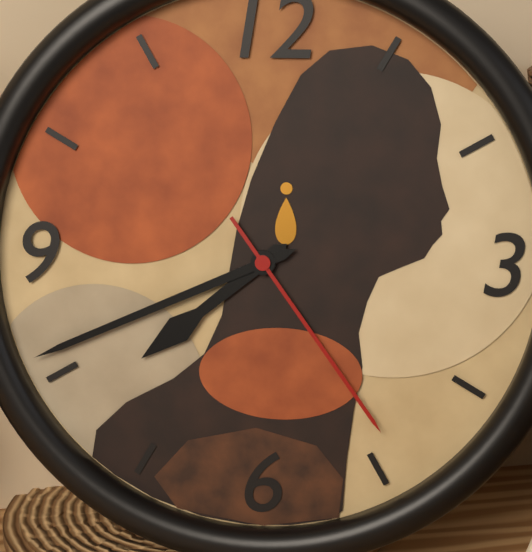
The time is 7,41,24
